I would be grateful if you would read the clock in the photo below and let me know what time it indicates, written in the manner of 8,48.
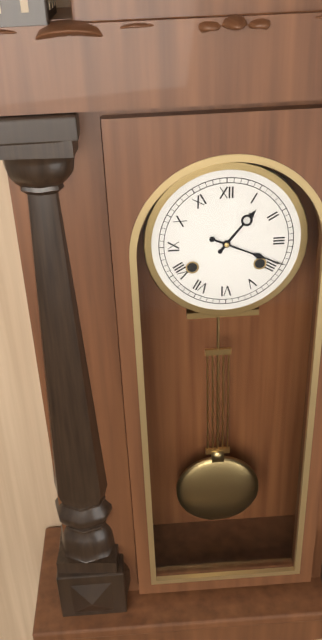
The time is 1,19
